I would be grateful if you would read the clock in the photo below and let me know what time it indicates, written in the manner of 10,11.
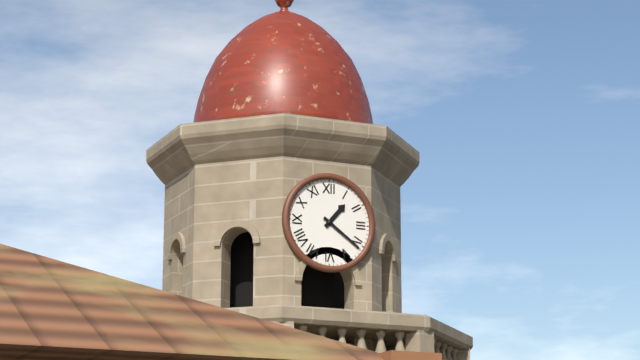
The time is 1,21
